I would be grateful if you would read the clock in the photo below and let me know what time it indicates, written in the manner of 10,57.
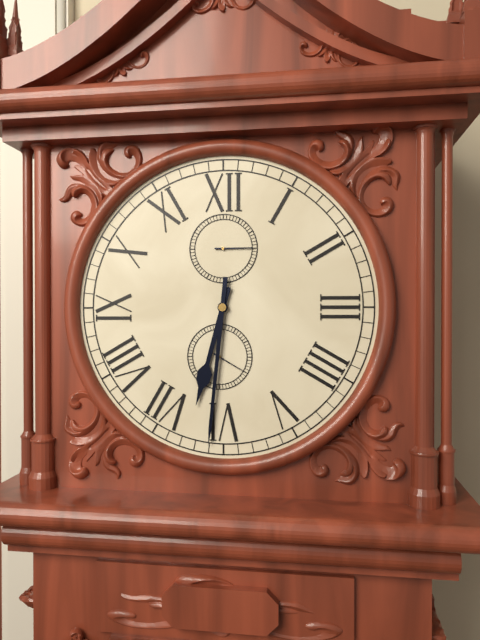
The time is 6,31
